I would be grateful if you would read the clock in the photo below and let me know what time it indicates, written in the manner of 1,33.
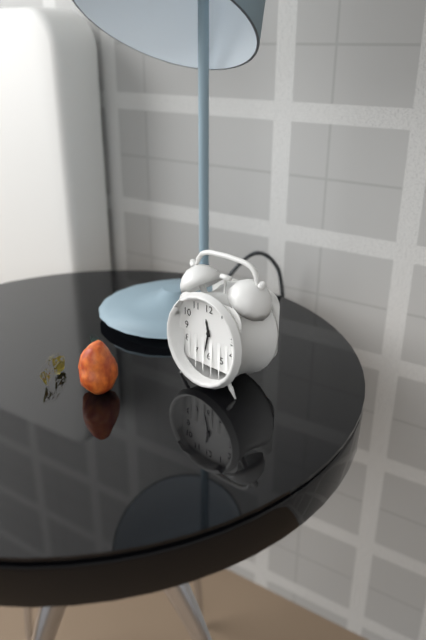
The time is 11,32
